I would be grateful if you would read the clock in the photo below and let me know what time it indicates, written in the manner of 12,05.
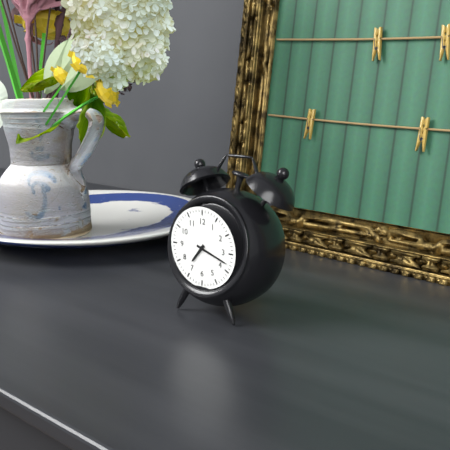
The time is 7,18
